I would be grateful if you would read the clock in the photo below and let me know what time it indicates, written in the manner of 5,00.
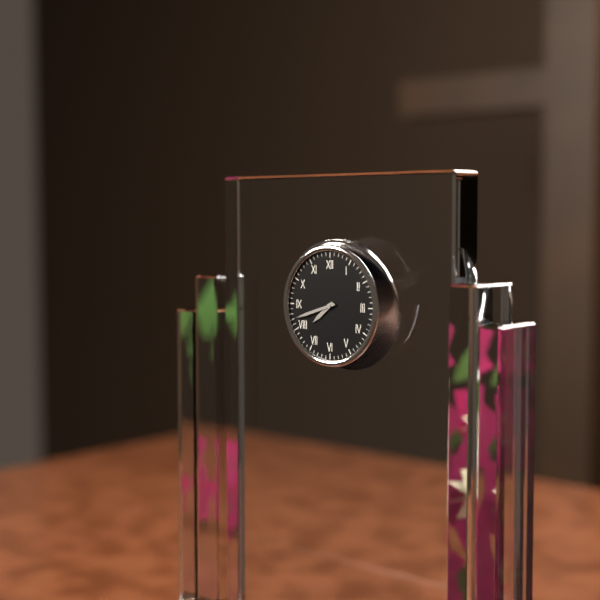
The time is 7,42
